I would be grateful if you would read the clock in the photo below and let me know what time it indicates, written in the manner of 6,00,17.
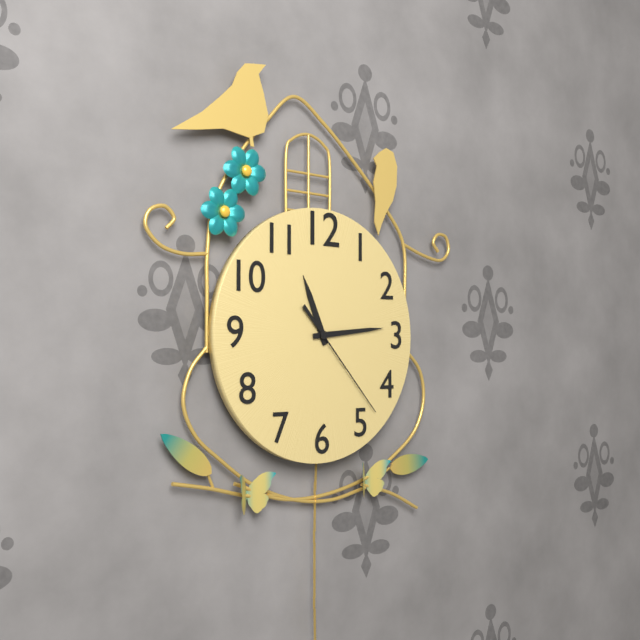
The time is 11,14,23
